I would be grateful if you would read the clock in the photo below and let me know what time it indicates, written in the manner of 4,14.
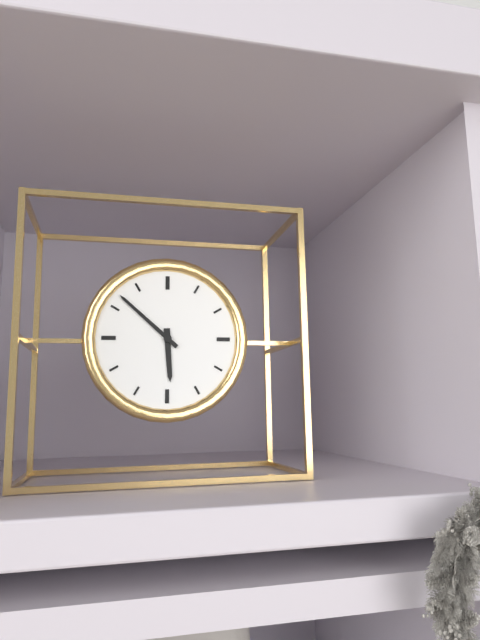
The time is 5,52
